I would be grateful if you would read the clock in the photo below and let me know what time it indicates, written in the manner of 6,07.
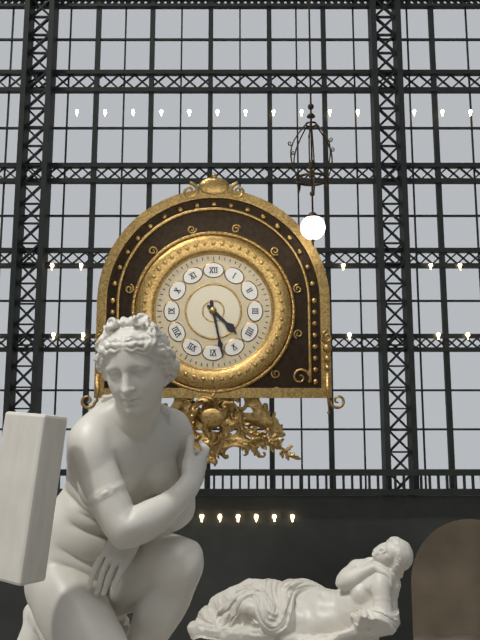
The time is 4,28
